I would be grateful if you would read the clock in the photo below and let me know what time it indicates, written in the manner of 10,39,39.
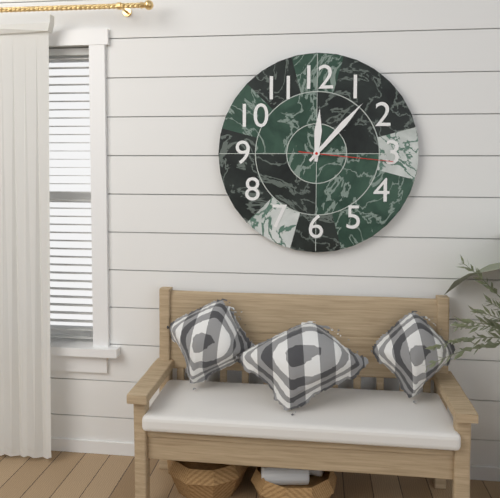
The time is 12,07,16
